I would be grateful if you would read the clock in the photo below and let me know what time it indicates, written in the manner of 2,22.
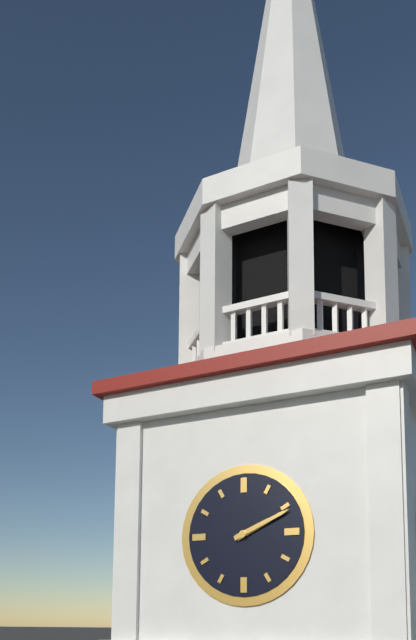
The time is 2,11
